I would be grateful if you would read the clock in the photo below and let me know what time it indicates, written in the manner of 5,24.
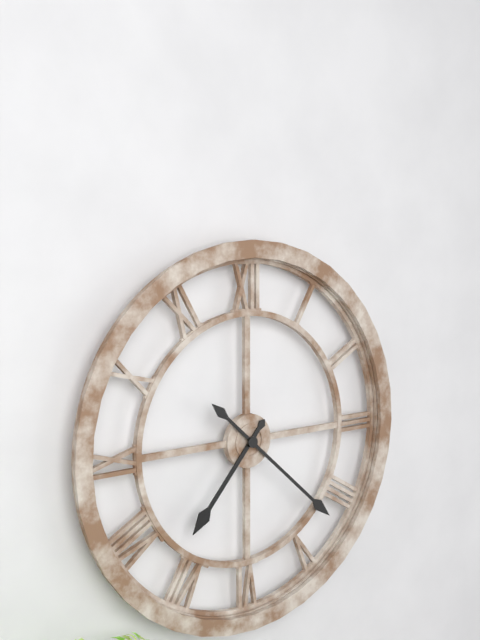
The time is 7,22
